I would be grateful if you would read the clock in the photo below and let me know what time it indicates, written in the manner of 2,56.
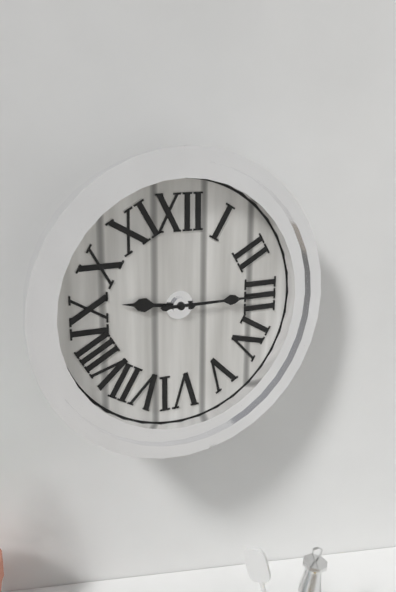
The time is 9,15
